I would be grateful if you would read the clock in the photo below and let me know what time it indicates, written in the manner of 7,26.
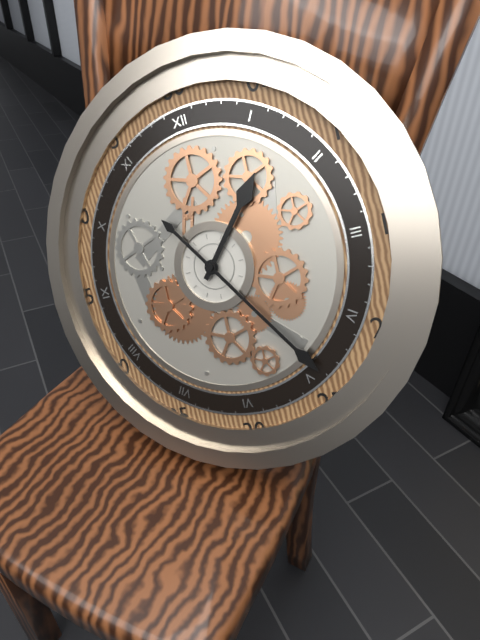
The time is 1,24
